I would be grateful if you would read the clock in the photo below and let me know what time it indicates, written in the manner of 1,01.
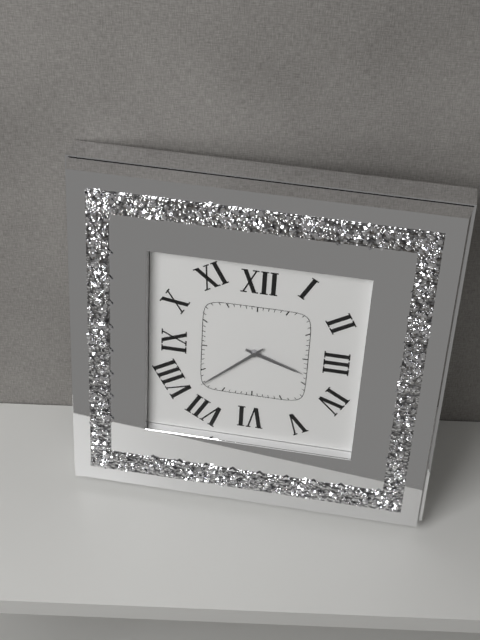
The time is 3,38
